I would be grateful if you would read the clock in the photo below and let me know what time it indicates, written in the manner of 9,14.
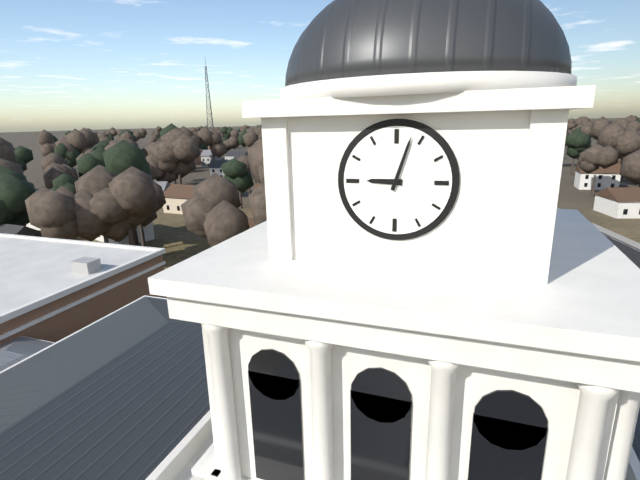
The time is 9,03
